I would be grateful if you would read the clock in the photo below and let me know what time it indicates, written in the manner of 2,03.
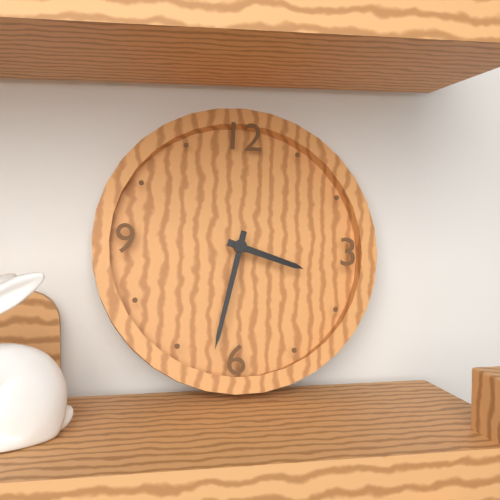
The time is 3,32
